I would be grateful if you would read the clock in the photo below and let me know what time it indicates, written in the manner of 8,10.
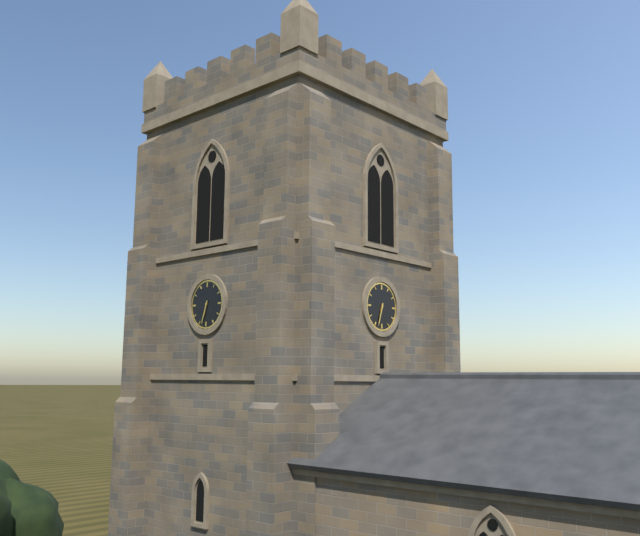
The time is 6,33
